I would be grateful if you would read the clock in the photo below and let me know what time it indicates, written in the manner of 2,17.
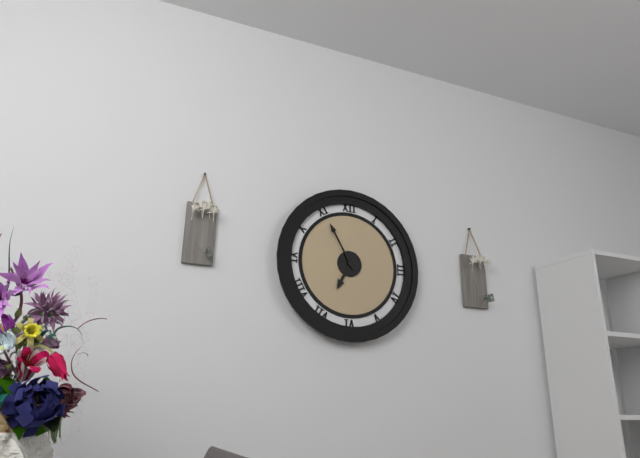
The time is 6,55
